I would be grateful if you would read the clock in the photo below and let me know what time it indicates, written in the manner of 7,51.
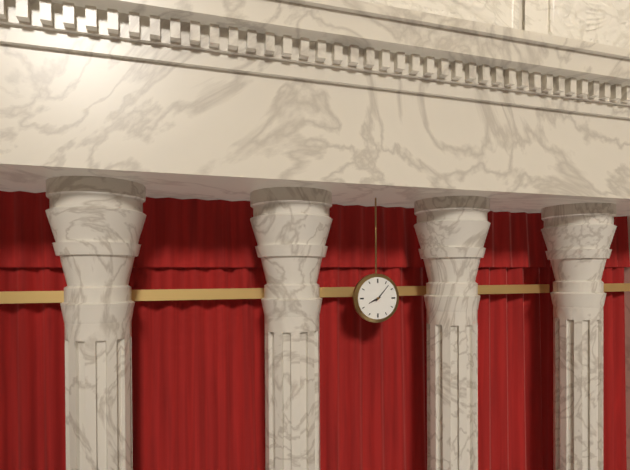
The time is 8,07
